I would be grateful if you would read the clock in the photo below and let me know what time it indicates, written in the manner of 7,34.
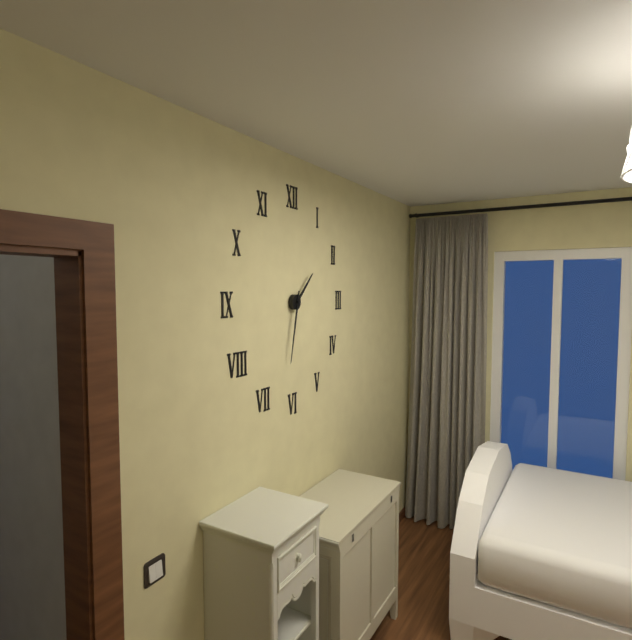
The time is 1,32
